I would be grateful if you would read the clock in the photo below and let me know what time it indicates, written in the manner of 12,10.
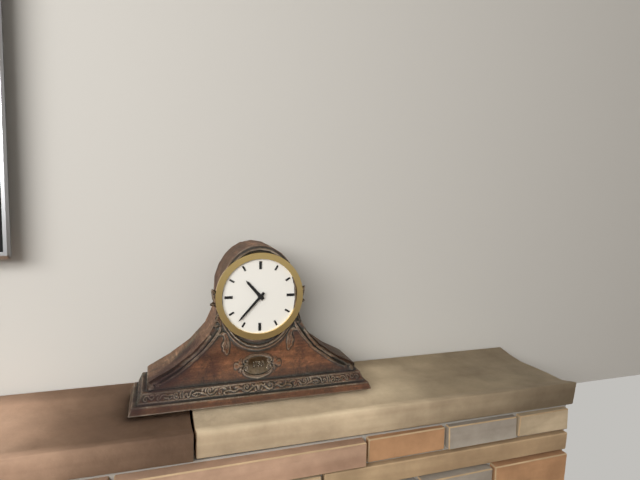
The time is 10,37
